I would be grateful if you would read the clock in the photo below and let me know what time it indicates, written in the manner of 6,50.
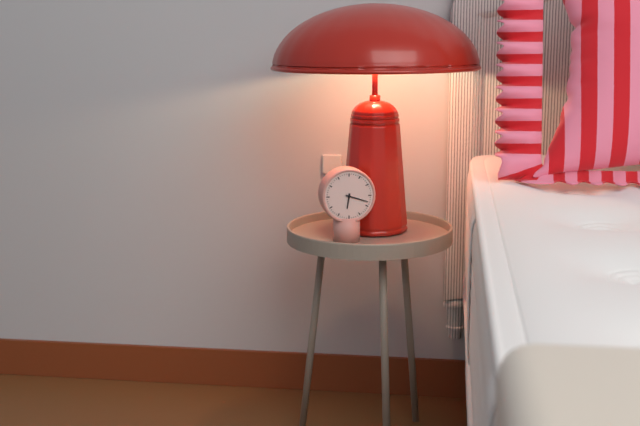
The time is 6,18
